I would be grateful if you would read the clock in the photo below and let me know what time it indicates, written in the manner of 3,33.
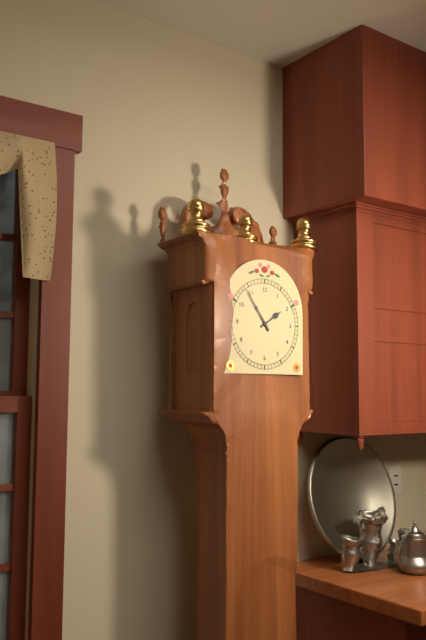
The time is 1,54
